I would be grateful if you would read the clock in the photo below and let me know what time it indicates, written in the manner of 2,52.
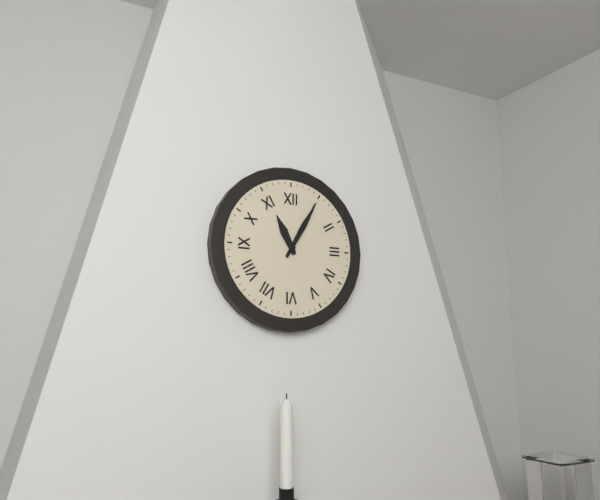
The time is 11,05
